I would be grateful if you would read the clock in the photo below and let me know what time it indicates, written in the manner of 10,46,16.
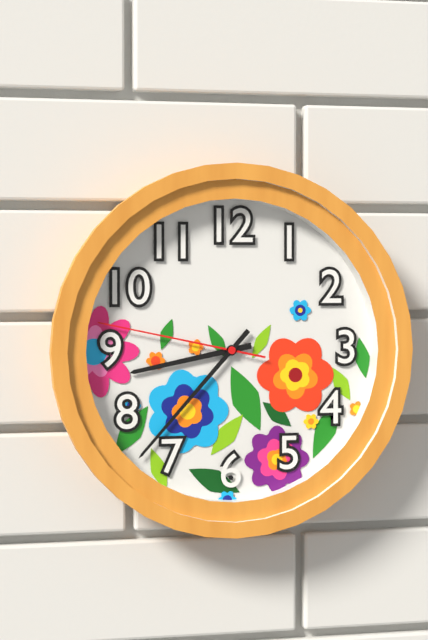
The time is 8,37,47
